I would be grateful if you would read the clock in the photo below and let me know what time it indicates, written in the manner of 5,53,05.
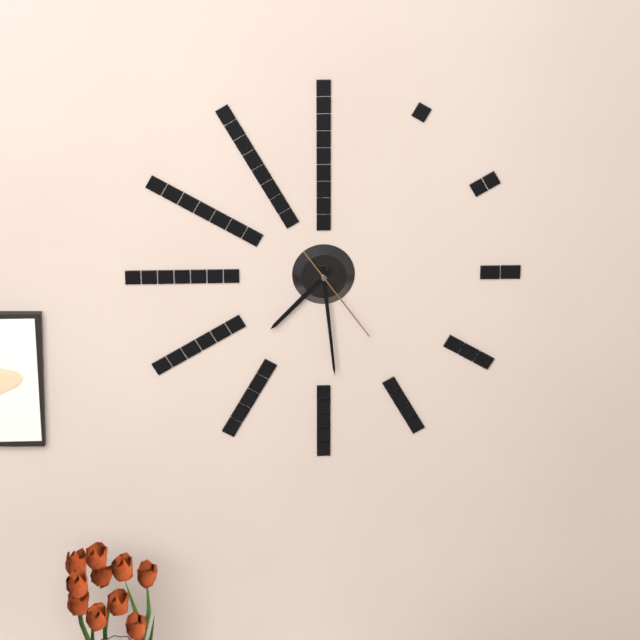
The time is 7,29,24
